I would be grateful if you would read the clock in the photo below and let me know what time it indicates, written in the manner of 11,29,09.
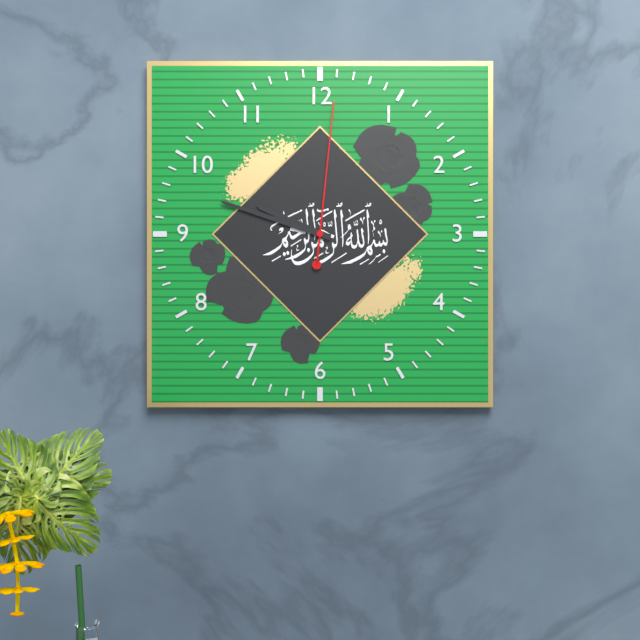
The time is 9,48,01
